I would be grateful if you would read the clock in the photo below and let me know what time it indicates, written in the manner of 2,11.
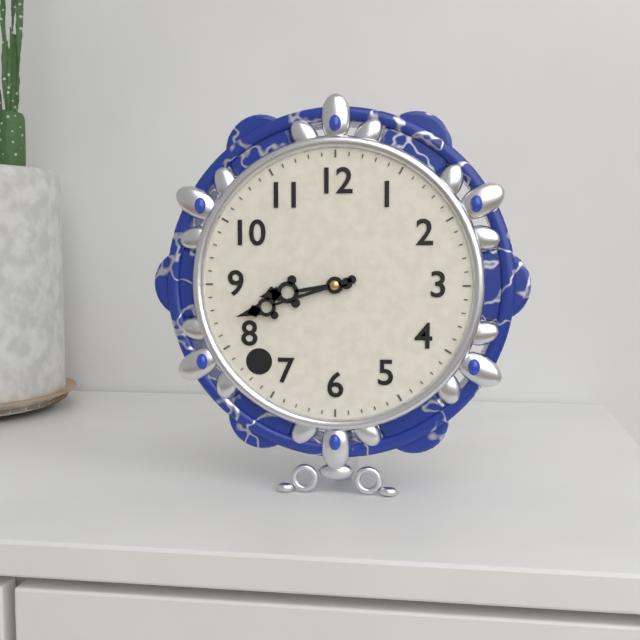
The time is 8,42
